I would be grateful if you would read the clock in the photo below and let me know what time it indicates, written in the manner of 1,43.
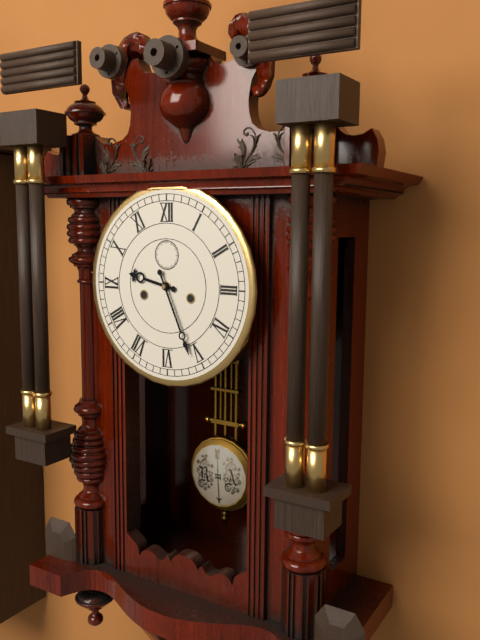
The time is 9,26
